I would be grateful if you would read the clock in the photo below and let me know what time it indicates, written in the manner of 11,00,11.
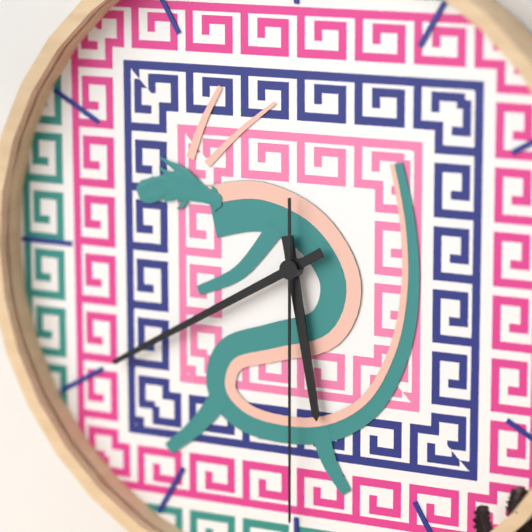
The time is 5,40,30
